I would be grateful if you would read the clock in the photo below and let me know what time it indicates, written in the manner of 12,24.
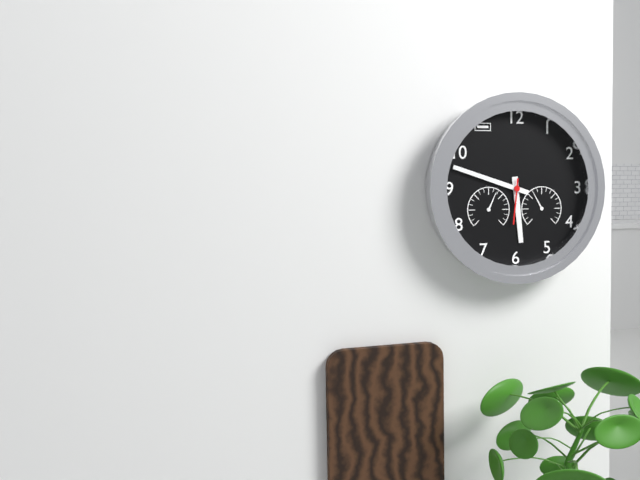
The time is 5,48
